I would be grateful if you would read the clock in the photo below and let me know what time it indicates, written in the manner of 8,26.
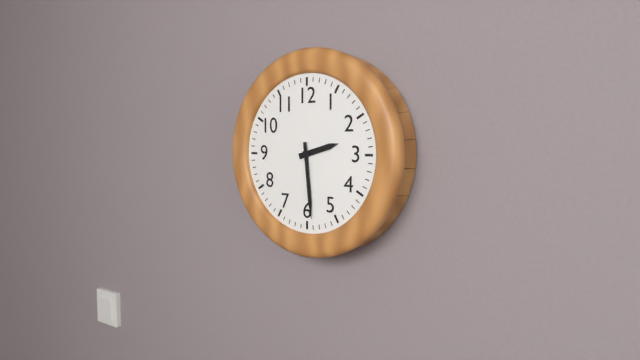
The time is 2,29
